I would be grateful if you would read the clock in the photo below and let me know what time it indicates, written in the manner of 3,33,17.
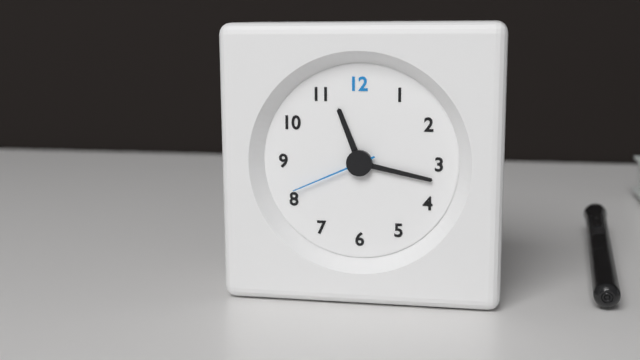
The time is 11,17,41
